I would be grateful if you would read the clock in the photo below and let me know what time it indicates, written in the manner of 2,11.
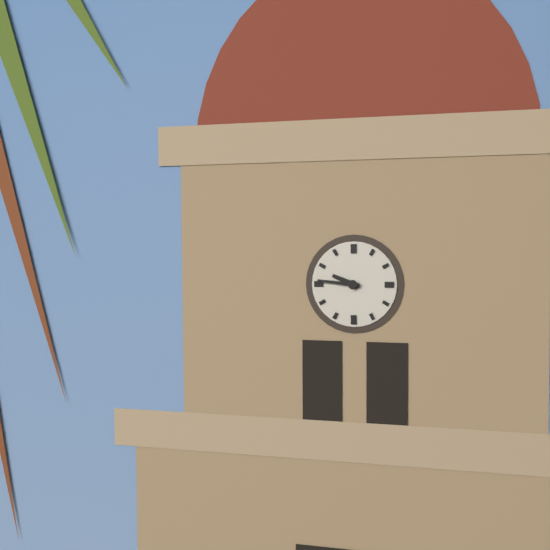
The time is 9,46
